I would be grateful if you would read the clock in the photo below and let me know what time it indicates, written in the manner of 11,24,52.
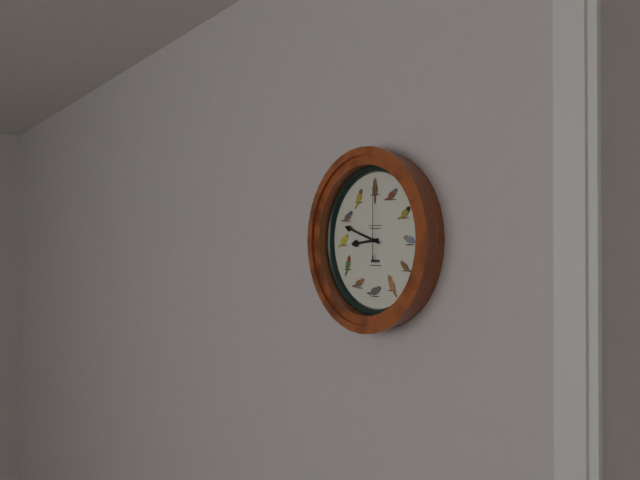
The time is 8,48,00
